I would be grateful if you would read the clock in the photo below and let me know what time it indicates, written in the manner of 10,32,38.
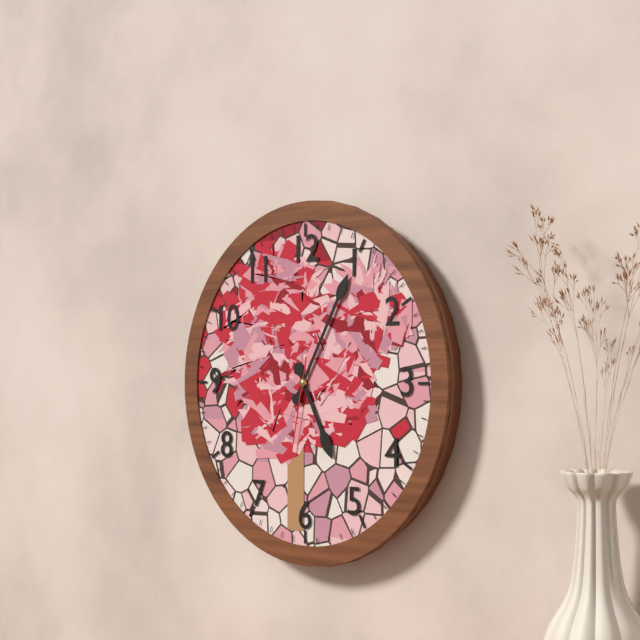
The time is 5,05,32
